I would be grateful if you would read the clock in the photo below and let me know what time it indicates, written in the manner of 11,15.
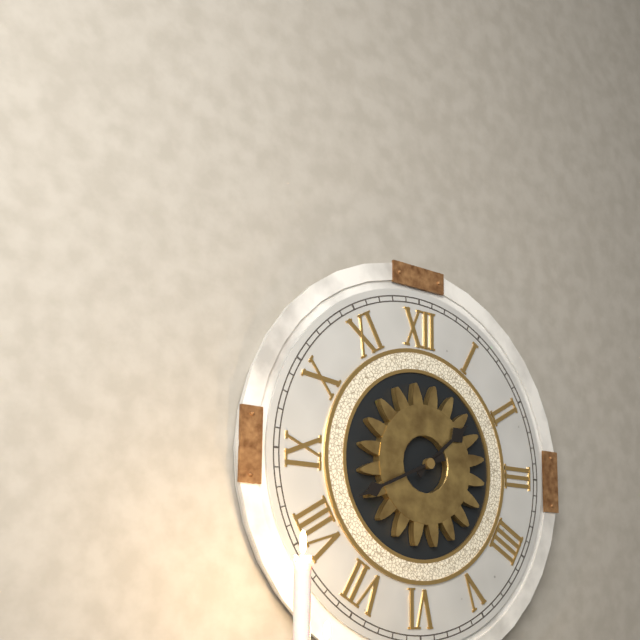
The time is 1,41
